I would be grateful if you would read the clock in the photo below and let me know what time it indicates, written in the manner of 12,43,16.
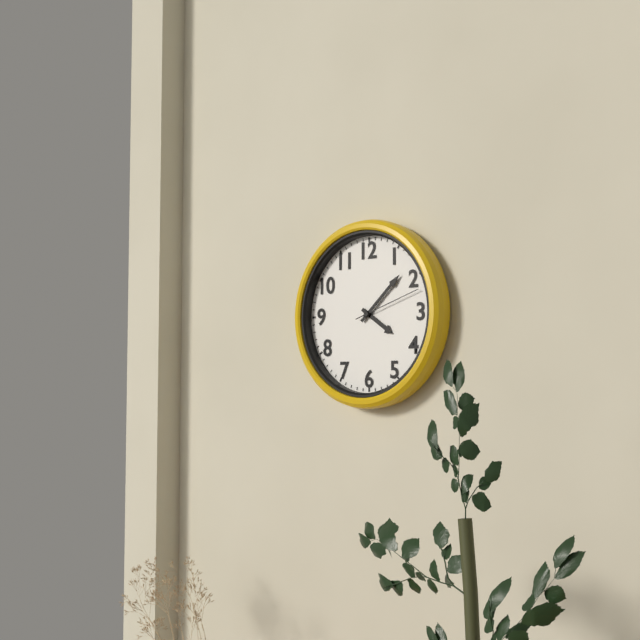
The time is 4,08,12
